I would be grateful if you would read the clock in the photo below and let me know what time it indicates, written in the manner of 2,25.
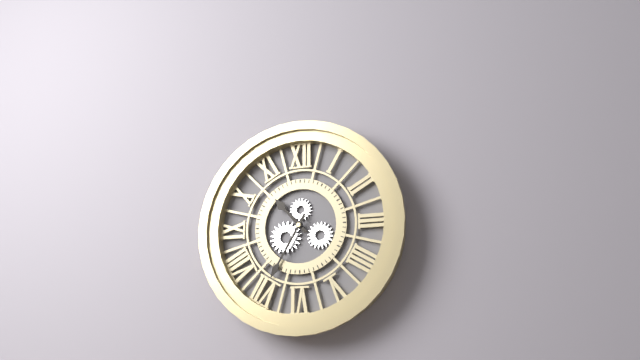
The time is 10,35
